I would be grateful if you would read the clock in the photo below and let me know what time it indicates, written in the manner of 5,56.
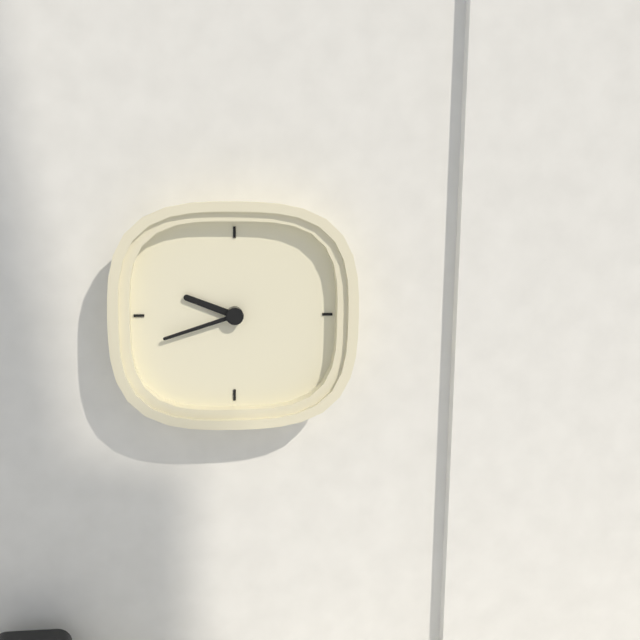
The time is 9,42
